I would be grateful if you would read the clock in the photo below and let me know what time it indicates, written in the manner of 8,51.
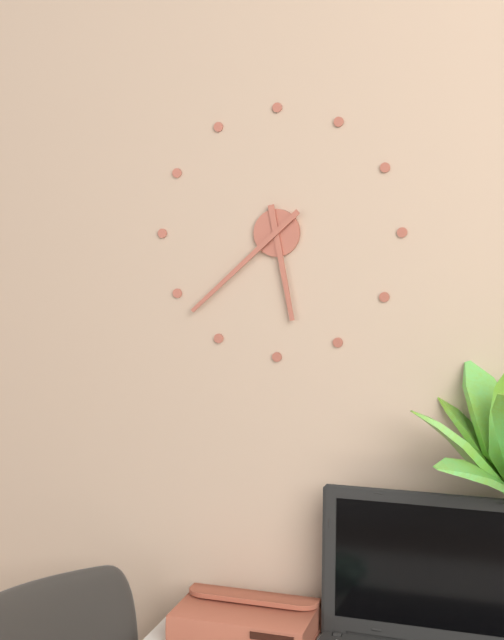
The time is 5,38
